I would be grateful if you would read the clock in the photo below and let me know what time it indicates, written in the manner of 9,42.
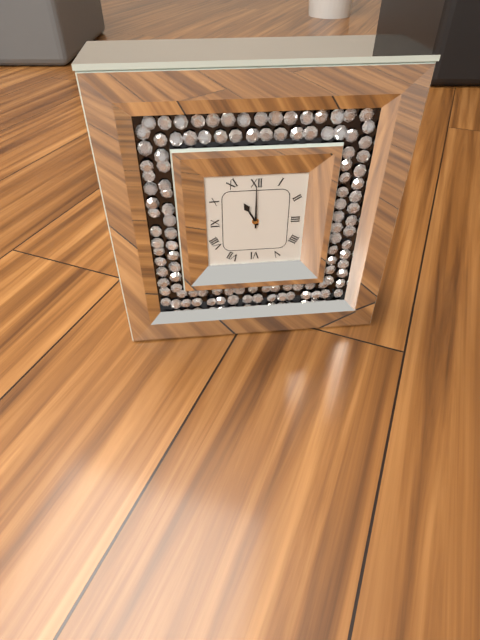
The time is 11,00
